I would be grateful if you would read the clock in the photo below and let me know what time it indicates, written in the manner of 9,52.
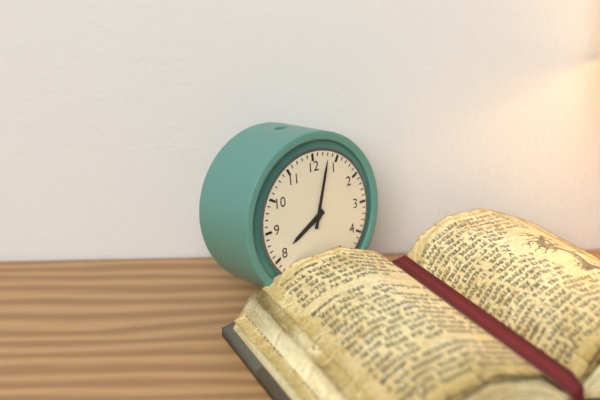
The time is 8,03
